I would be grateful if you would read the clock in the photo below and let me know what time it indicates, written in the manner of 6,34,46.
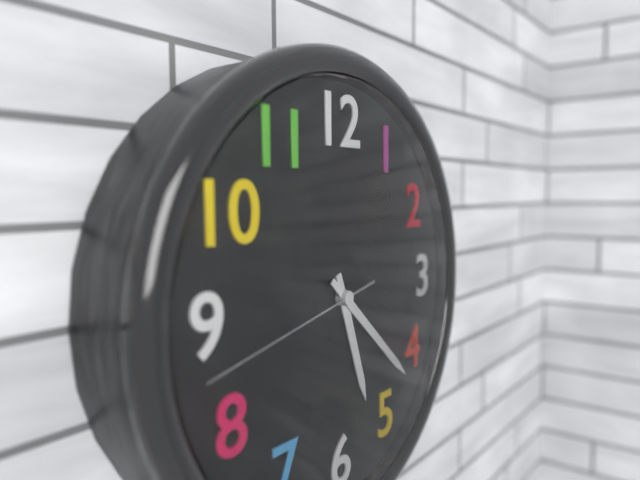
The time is 5,22,43
